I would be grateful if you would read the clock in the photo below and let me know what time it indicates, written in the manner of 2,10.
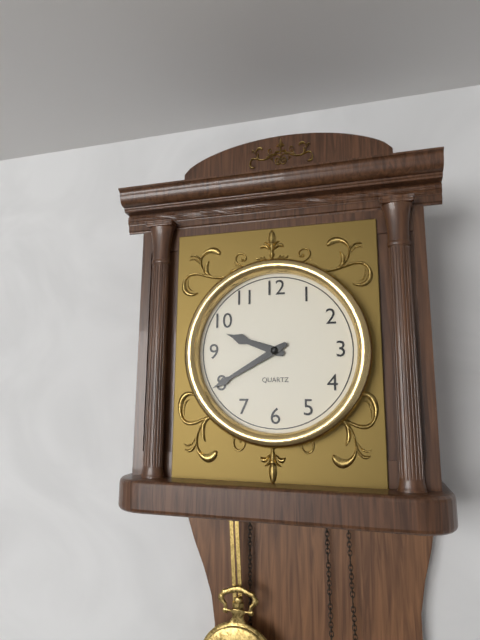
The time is 9,40
